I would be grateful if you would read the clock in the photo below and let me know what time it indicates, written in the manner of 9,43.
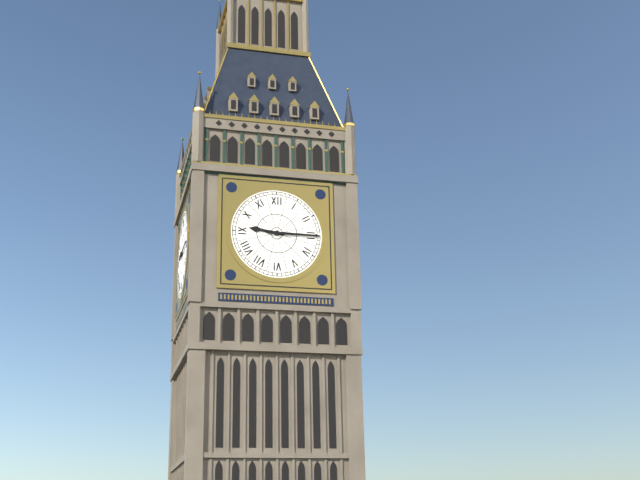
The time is 9,15
